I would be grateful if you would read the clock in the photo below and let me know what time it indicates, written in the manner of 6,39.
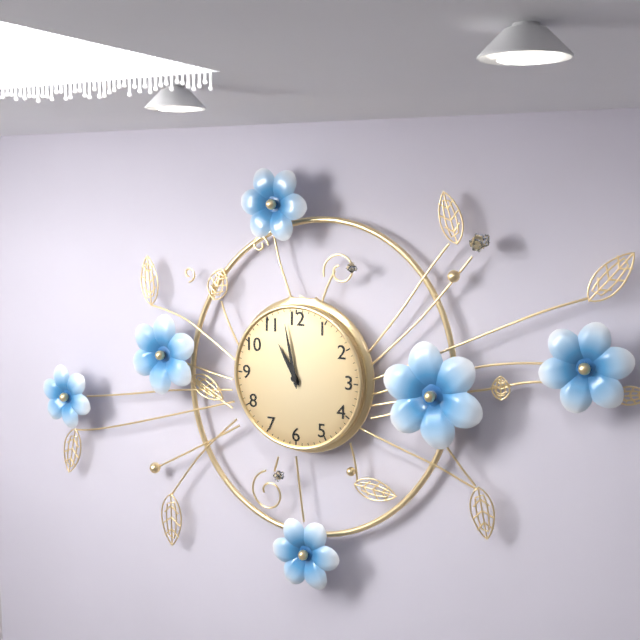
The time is 10,58
